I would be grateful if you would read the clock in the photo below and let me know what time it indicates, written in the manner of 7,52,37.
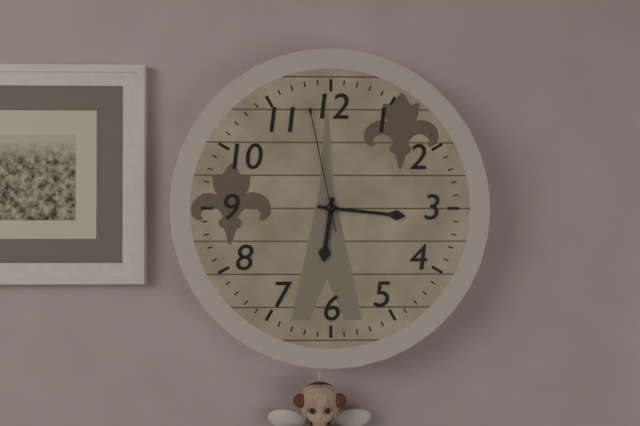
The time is 6,16,58
